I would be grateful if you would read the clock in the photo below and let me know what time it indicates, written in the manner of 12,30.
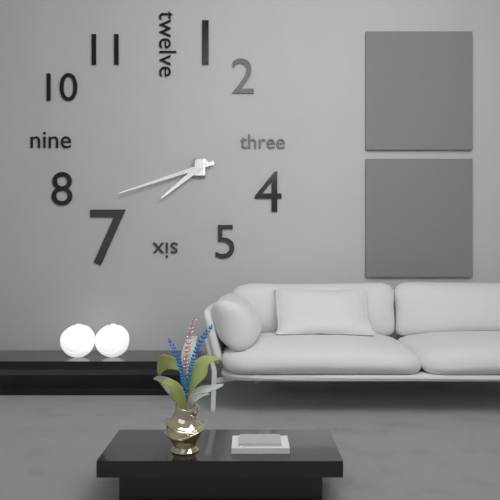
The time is 7,42
